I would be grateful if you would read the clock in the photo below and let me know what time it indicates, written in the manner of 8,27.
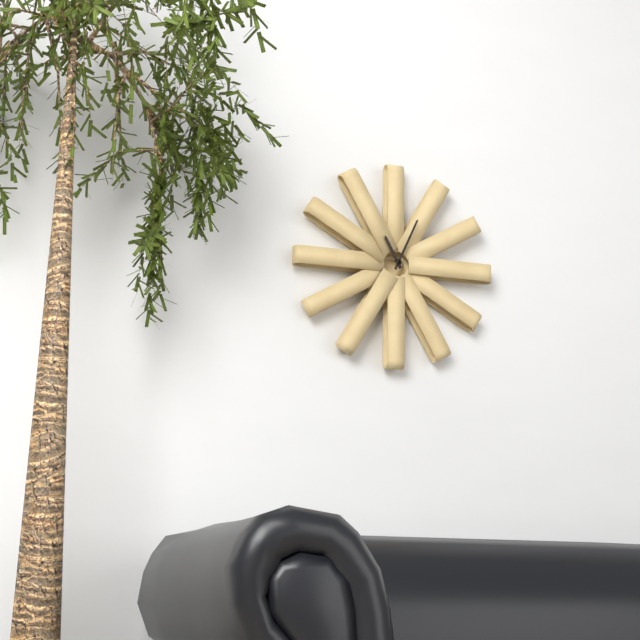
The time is 11,04
